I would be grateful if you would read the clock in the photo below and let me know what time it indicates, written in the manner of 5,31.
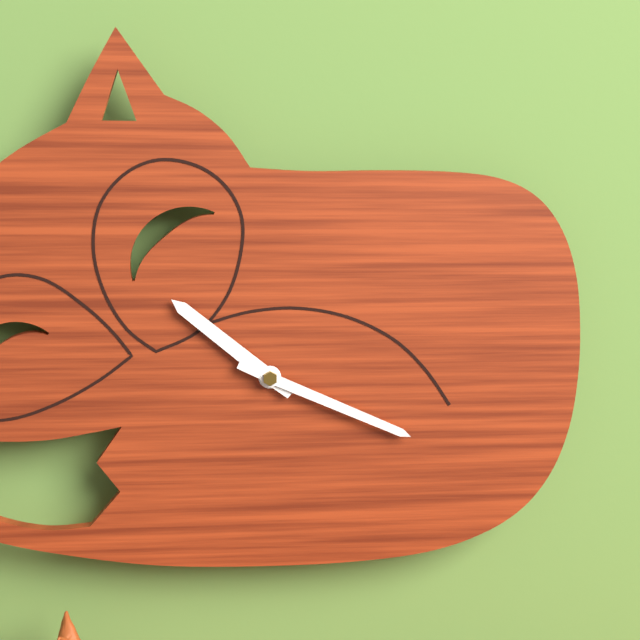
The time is 10,19
